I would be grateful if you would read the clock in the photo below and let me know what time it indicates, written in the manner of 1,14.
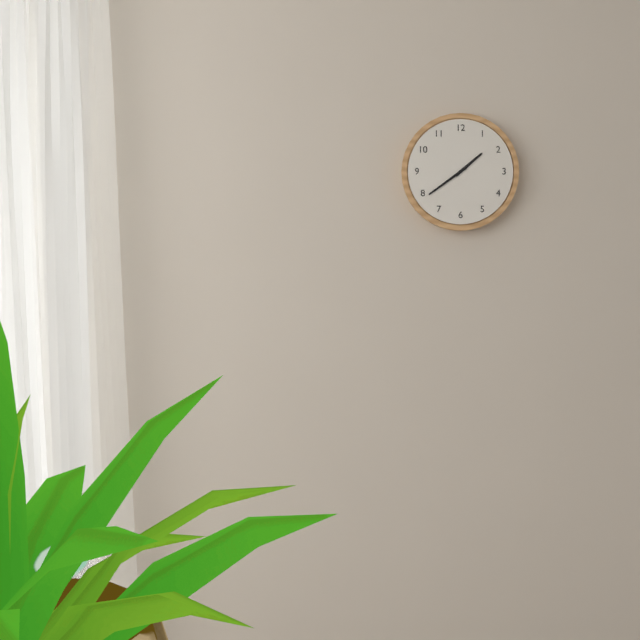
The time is 1,39
